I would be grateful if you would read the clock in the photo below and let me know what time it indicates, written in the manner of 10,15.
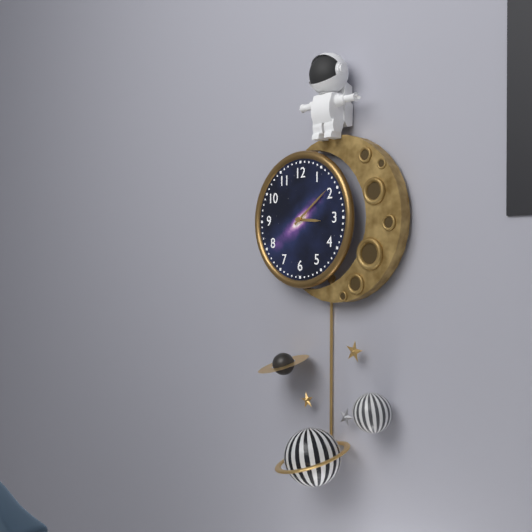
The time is 3,09
